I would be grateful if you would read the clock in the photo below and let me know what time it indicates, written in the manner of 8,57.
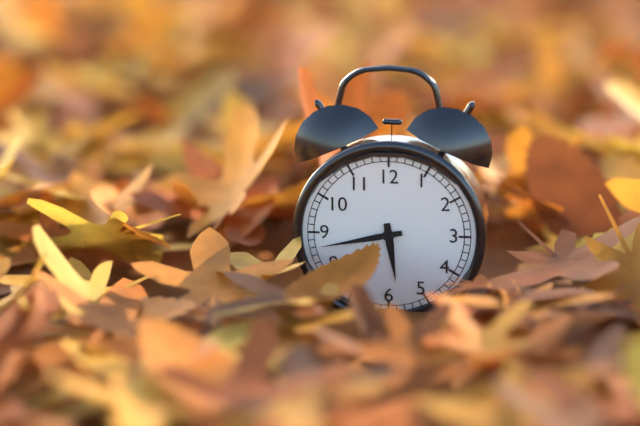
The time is 5,43
